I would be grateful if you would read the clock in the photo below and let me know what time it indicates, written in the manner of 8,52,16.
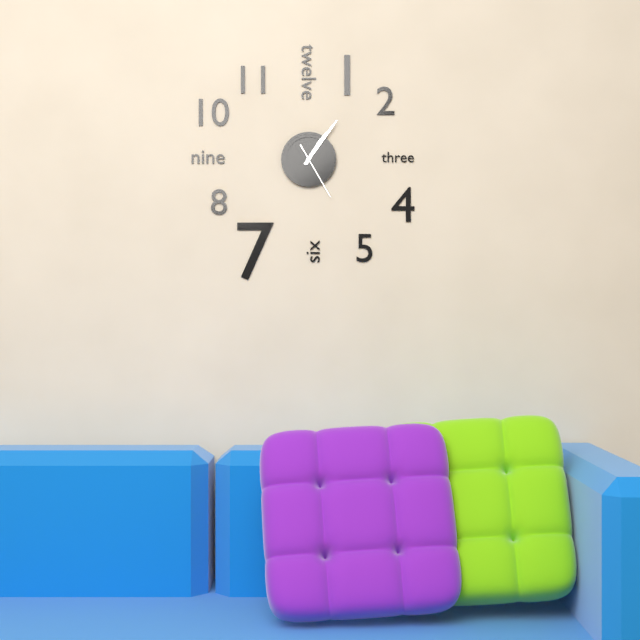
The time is 1,06,25
